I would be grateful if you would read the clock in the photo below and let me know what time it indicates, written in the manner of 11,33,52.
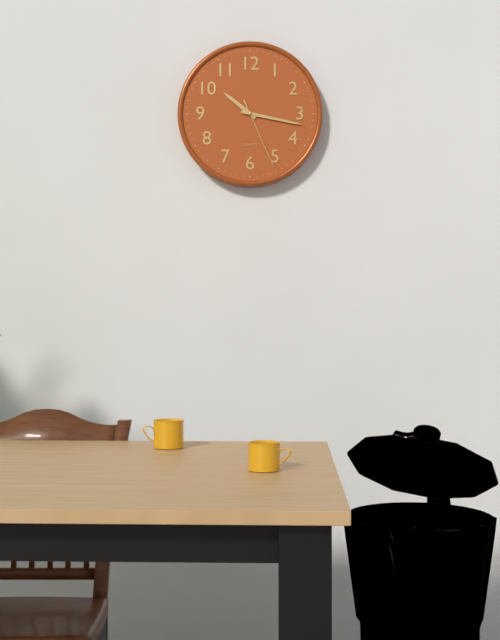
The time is 10,17,26
